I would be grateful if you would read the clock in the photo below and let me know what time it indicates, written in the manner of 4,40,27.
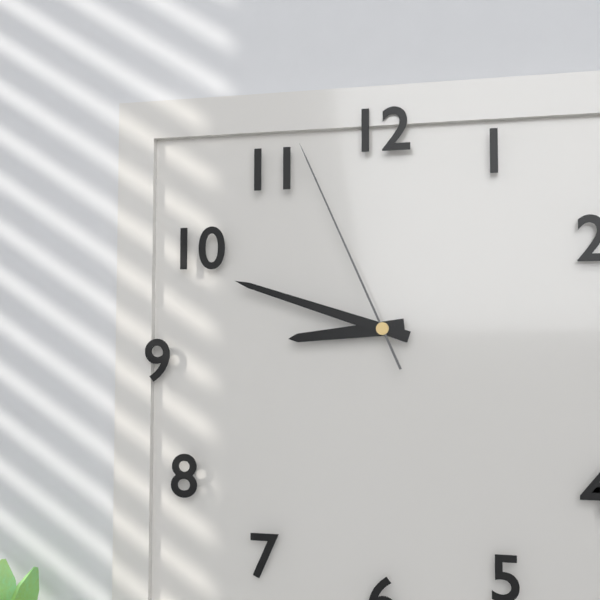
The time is 8,48,56
